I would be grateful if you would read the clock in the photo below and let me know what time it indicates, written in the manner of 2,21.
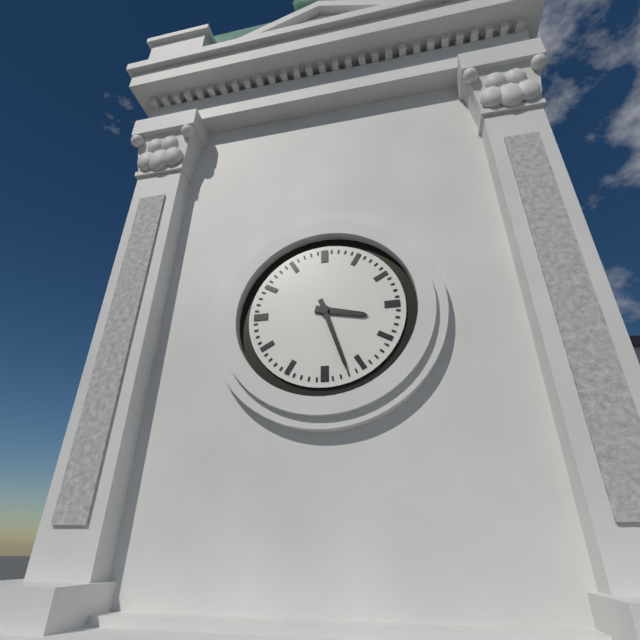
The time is 3,27
